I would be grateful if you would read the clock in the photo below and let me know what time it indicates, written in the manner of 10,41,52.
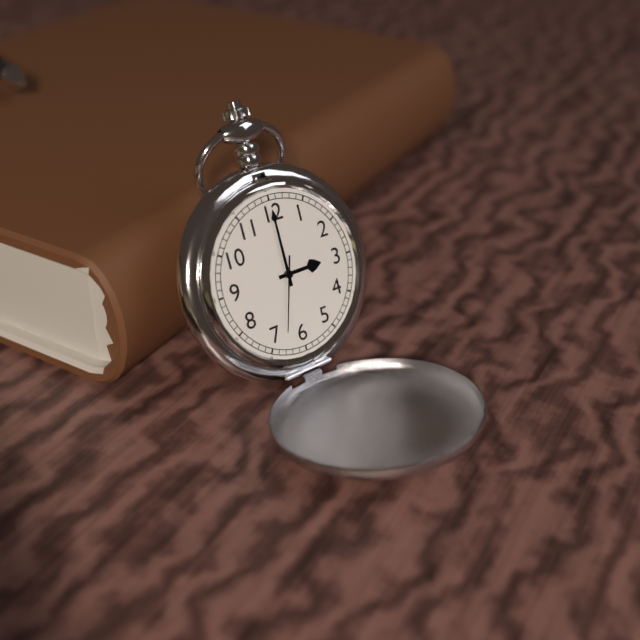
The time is 3,00,33
